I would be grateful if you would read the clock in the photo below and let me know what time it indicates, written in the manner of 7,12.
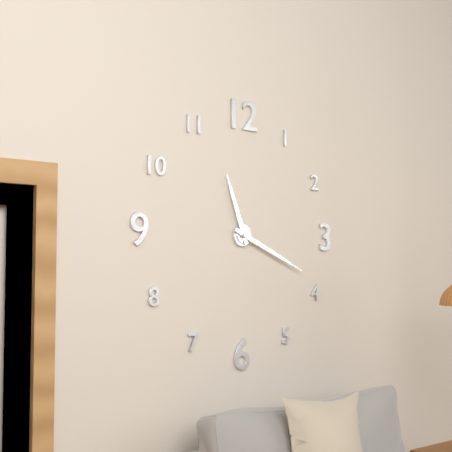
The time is 11,19
